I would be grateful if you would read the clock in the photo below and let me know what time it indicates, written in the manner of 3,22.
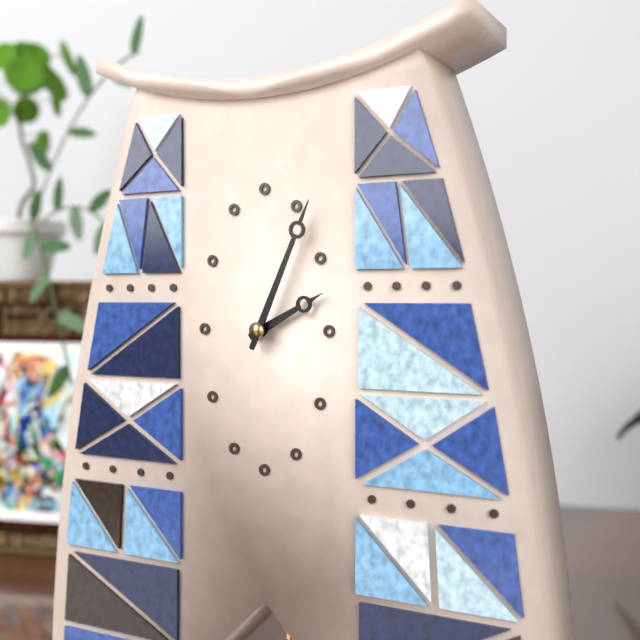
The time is 2,04
